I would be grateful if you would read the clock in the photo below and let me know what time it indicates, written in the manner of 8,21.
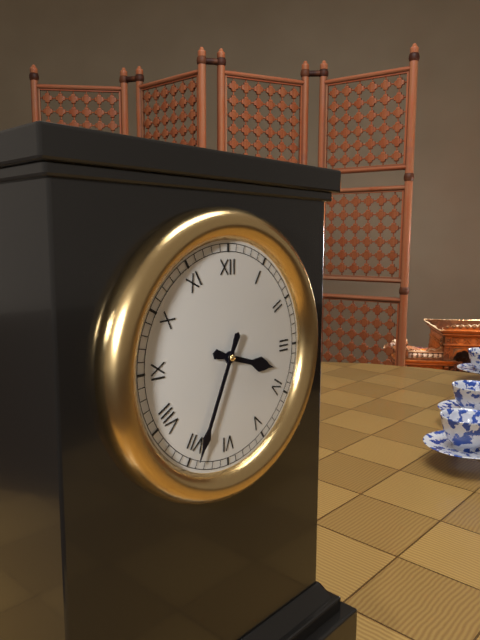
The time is 3,34
